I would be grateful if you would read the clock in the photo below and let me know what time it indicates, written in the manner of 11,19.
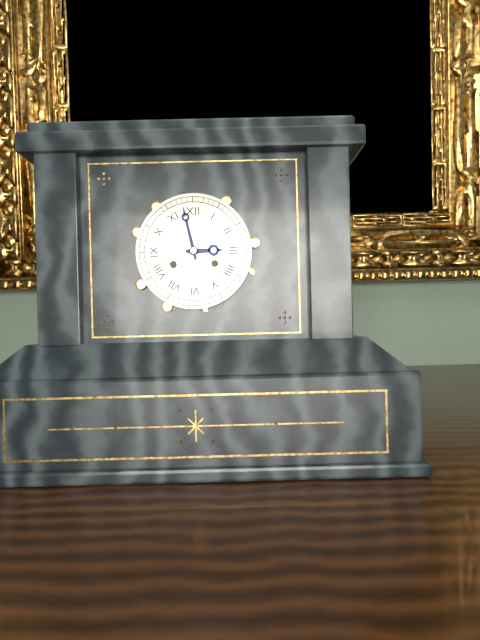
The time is 2,58
